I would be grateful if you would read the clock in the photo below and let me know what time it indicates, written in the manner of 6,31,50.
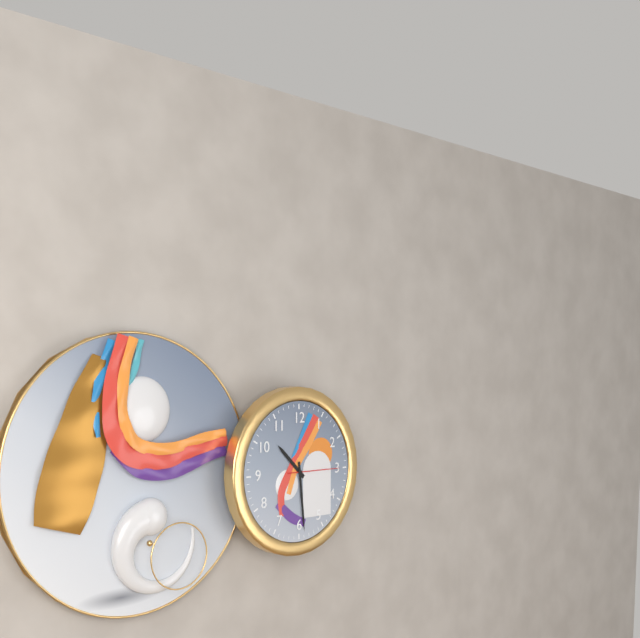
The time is 10,29,15
